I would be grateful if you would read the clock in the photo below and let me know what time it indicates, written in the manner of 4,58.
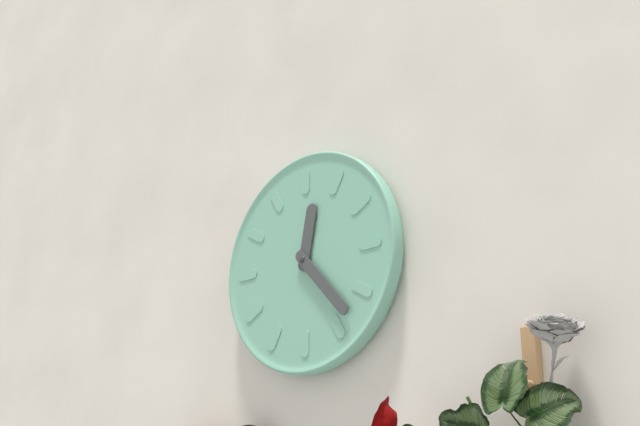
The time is 12,23
